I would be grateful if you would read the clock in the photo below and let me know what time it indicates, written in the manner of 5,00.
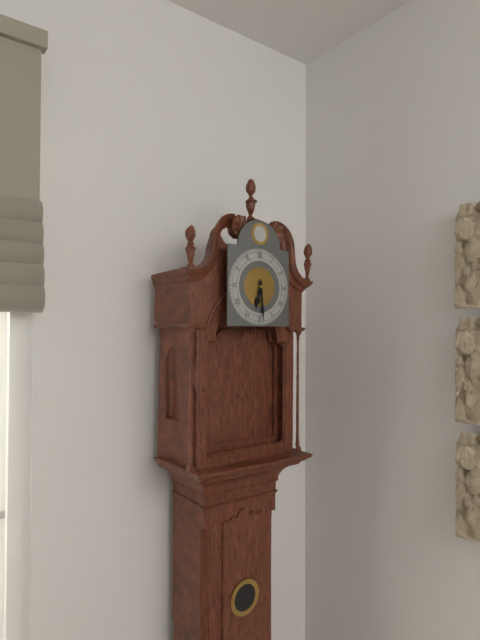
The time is 6,29
